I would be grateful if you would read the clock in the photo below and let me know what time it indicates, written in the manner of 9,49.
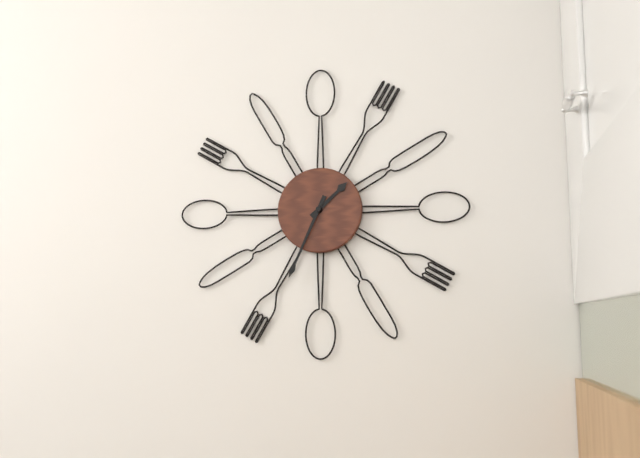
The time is 1,34
